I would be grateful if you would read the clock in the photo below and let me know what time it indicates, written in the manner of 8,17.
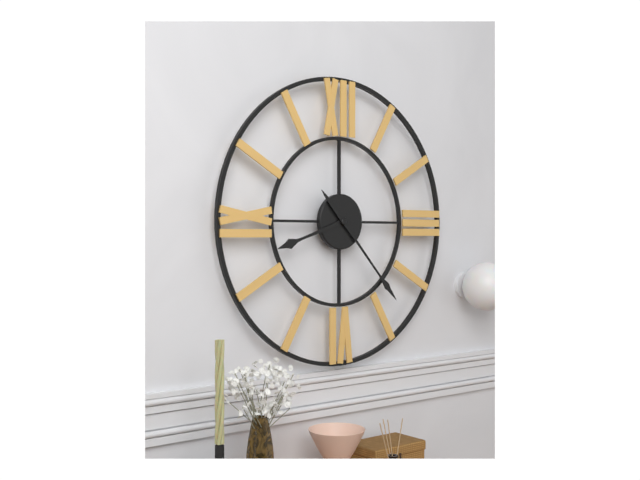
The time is 8,23
